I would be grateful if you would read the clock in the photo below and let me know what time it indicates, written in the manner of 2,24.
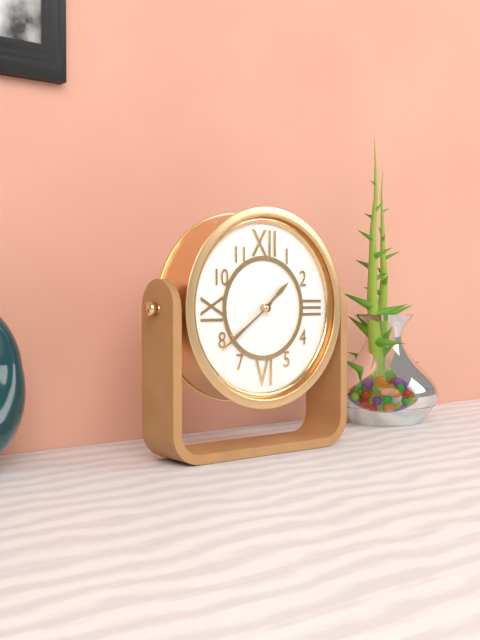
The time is 1,39
